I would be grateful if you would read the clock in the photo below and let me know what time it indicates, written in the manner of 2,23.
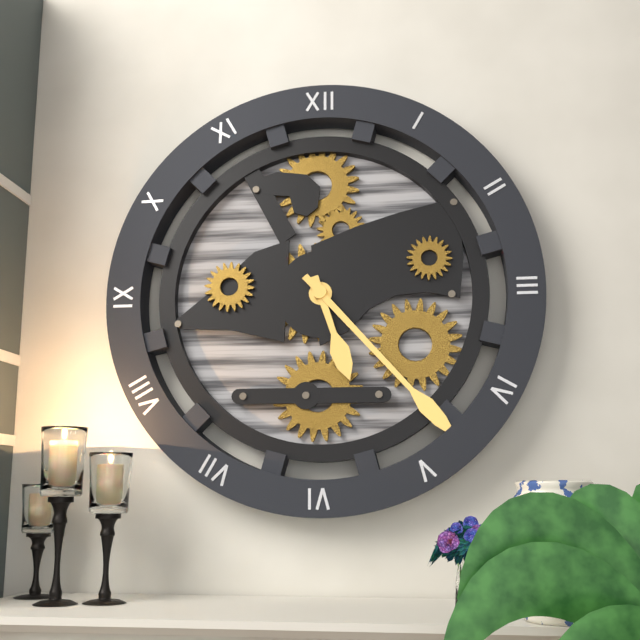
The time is 5,23
